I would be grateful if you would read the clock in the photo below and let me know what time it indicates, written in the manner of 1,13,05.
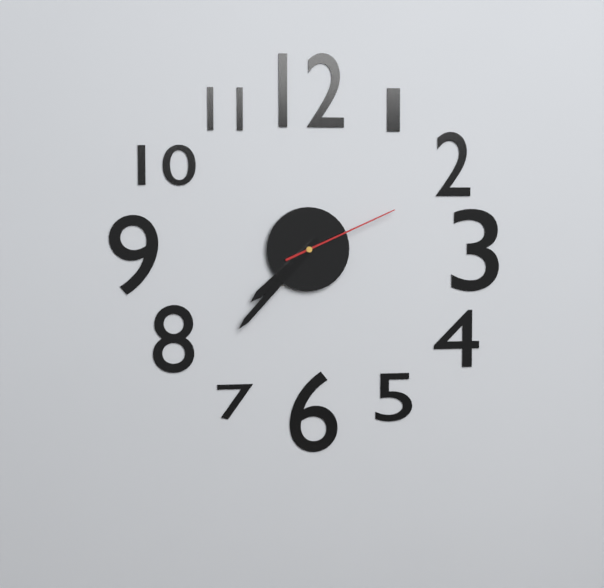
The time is 7,37,11
